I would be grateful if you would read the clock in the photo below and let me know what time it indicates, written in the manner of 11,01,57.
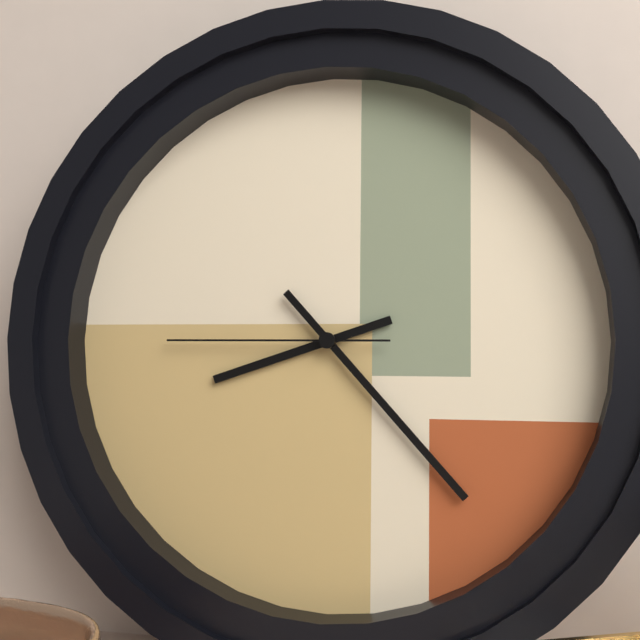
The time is 8,23,45
